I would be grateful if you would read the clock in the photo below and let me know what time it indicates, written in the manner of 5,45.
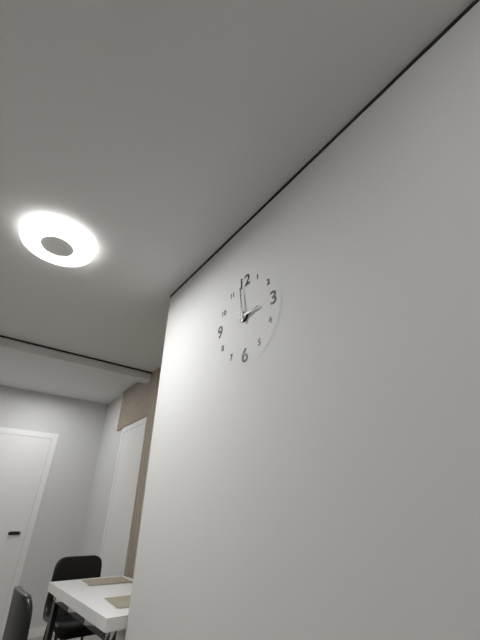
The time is 2,59
